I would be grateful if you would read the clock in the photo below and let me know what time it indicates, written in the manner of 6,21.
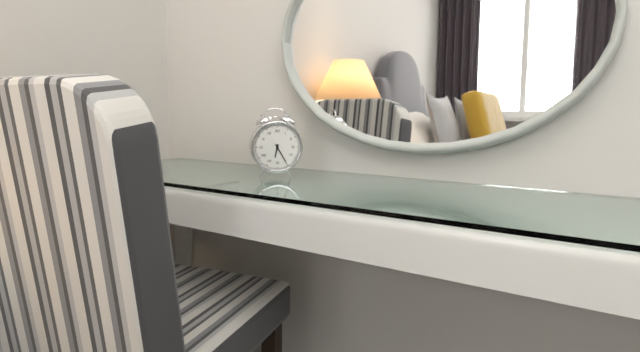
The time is 6,25
